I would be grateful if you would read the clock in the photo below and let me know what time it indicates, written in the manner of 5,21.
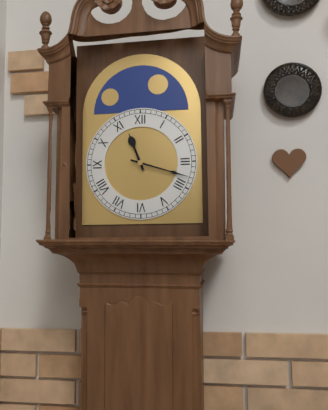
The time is 11,18
